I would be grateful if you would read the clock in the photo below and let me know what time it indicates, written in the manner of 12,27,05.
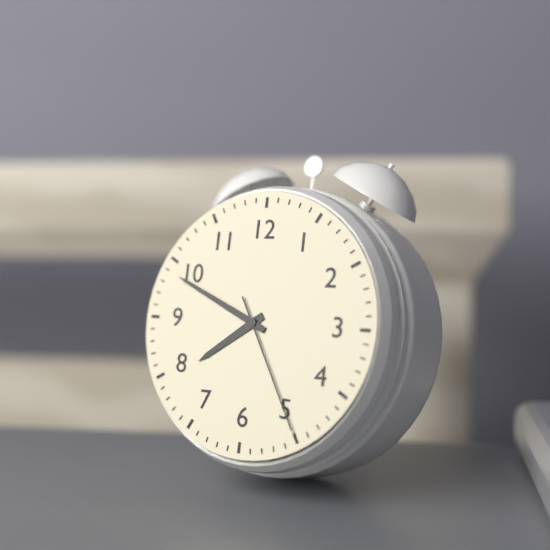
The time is 7,49,25
